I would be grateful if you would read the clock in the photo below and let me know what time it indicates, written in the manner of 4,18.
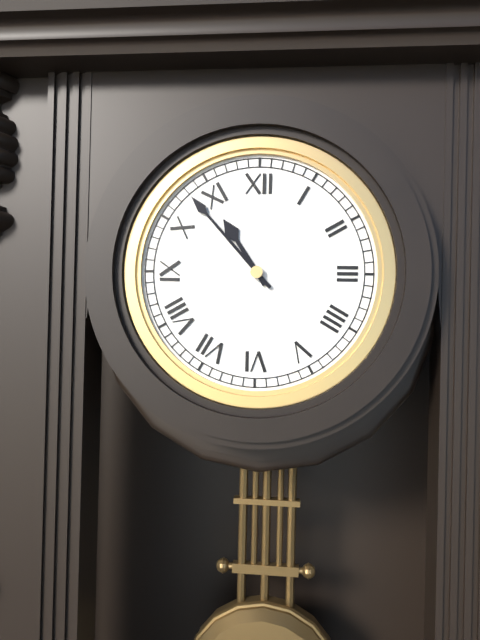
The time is 10,53
